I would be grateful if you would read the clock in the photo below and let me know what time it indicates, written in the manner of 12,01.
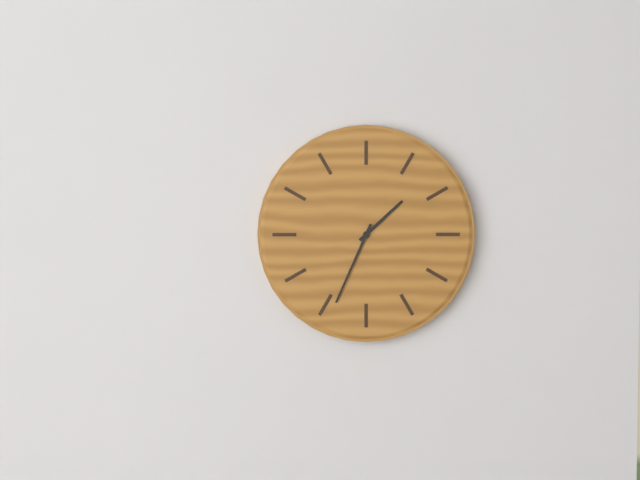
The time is 1,34
